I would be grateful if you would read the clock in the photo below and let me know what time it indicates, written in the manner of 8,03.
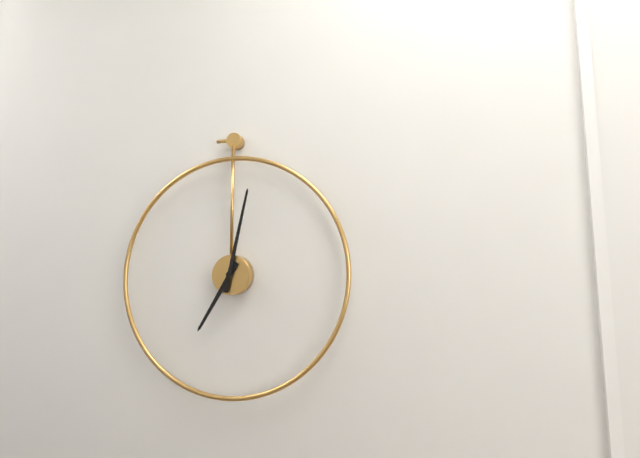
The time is 7,02
